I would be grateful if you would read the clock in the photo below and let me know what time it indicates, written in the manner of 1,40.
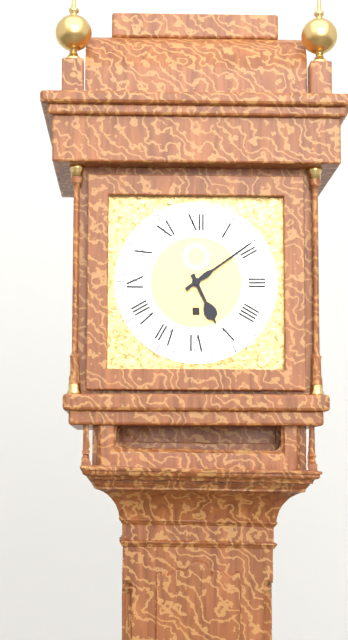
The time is 5,09
